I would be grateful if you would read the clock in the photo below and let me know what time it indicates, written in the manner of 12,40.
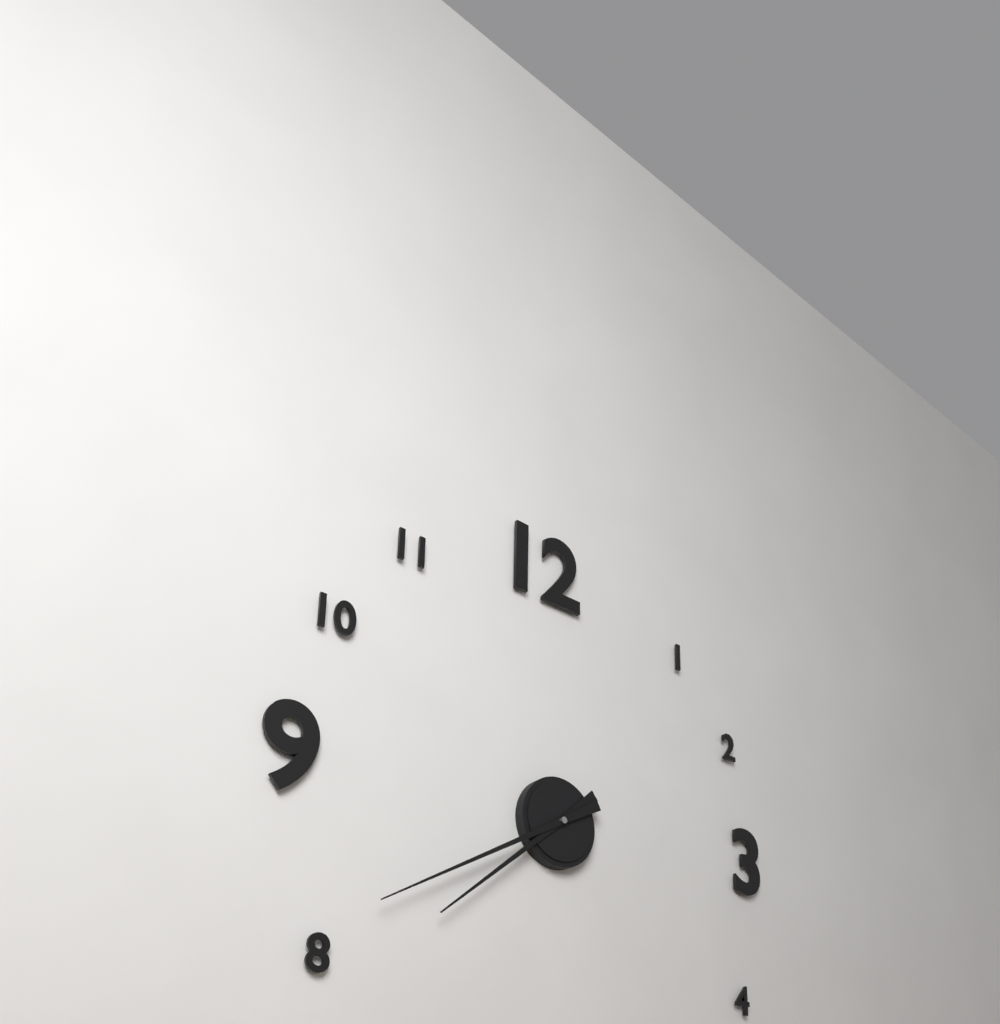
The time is 7,40
